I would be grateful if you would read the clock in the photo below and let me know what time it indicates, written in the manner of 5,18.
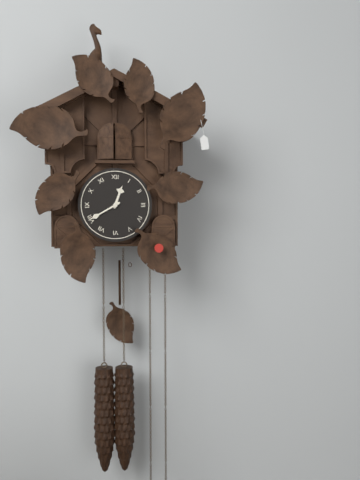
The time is 12,40
